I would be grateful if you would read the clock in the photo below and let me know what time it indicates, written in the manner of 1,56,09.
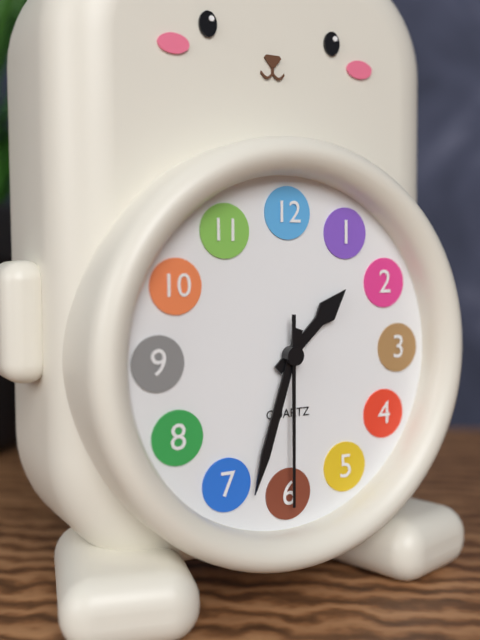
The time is 1,33,30
